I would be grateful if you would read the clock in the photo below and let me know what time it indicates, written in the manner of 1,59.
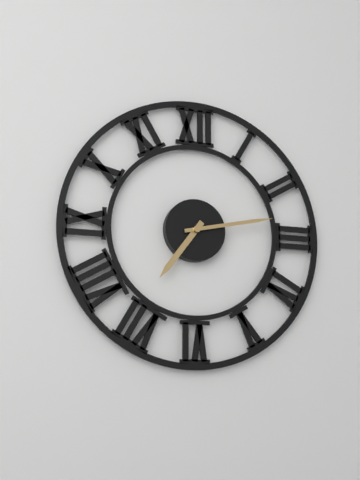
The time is 7,13
